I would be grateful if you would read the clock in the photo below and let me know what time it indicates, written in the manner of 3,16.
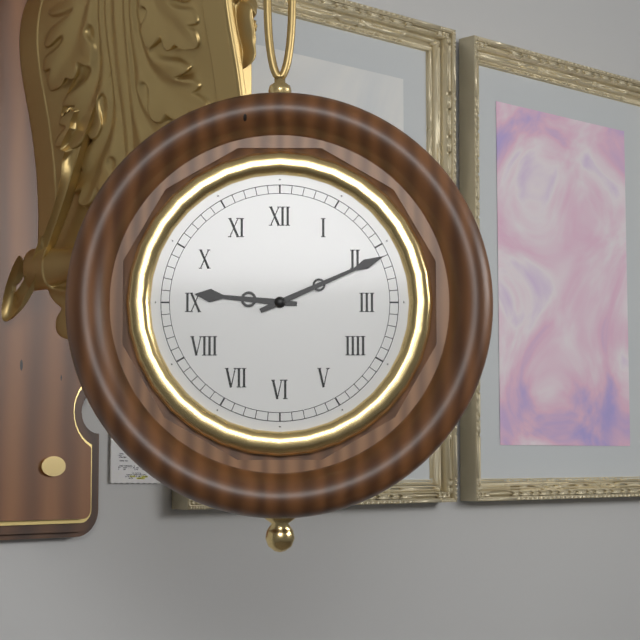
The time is 9,11
